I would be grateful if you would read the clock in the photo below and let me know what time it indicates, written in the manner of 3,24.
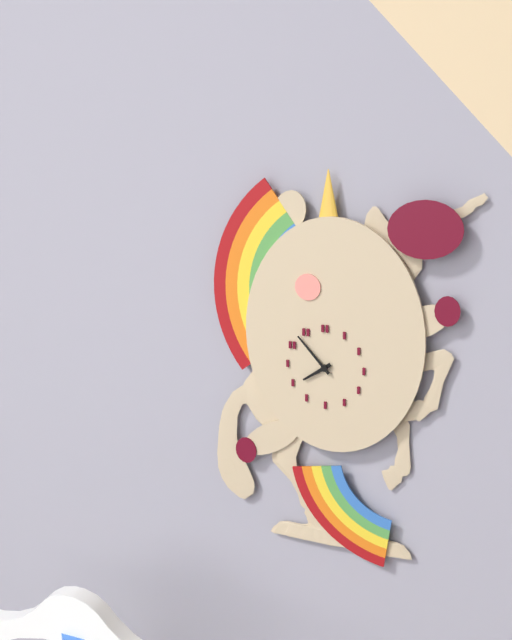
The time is 7,53
